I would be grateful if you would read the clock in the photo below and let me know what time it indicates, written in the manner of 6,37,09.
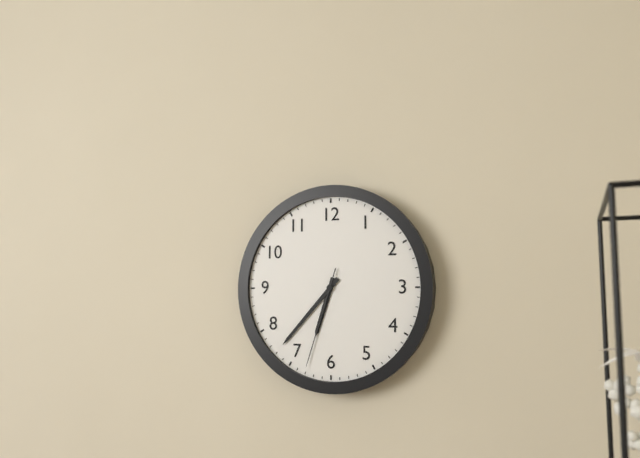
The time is 6,37,33
